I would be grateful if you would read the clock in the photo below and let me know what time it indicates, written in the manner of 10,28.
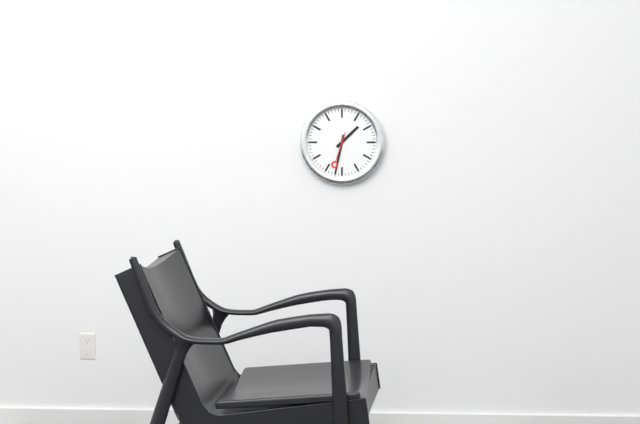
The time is 1,32
